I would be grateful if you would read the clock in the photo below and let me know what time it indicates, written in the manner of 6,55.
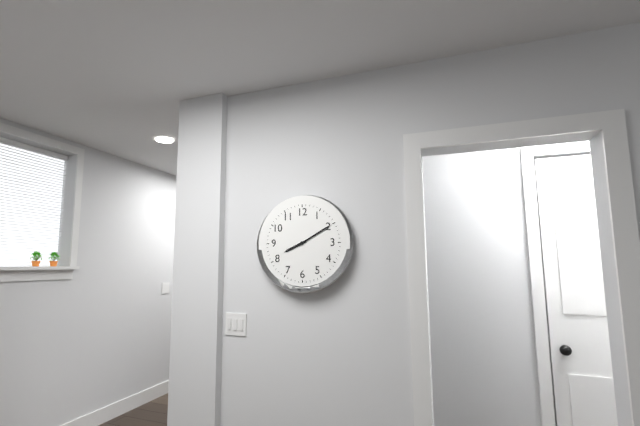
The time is 8,10
